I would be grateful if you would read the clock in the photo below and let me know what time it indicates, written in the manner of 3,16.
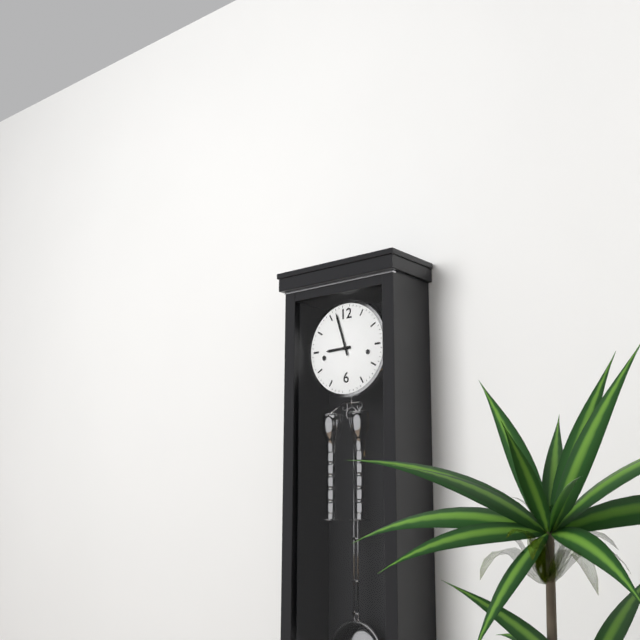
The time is 8,57
